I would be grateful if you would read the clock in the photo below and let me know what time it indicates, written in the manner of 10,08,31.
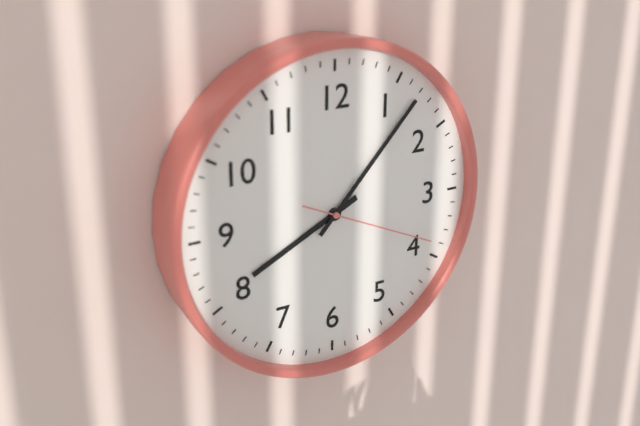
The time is 8,07,19
